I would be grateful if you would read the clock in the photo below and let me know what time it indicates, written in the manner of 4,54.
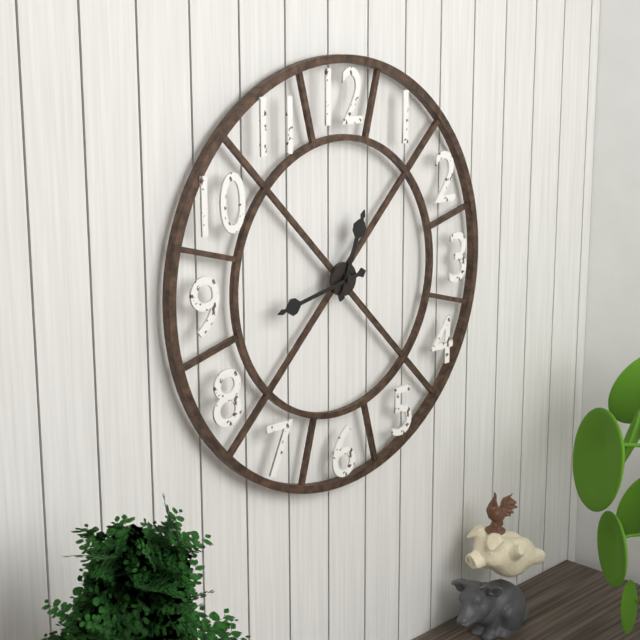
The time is 12,43
